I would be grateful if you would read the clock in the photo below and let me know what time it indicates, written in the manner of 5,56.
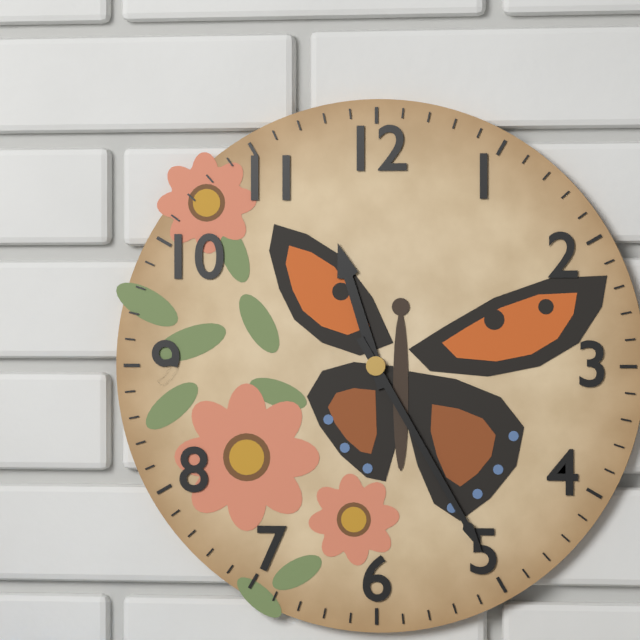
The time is 11,25
